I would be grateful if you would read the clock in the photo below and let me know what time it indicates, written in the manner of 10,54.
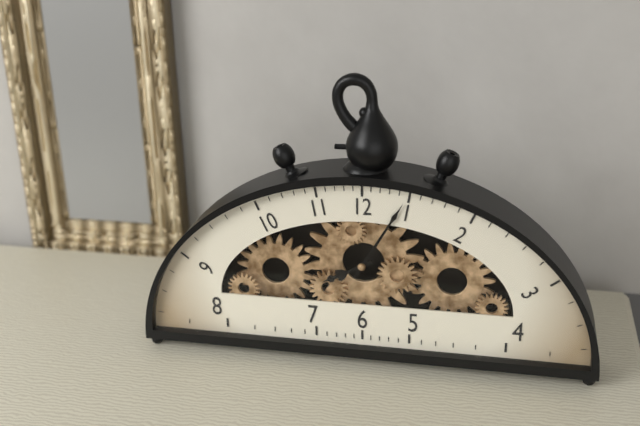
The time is 8,05
